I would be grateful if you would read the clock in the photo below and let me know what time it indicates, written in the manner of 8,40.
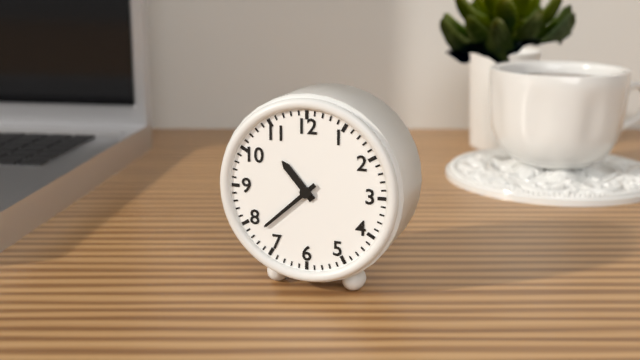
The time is 10,38
